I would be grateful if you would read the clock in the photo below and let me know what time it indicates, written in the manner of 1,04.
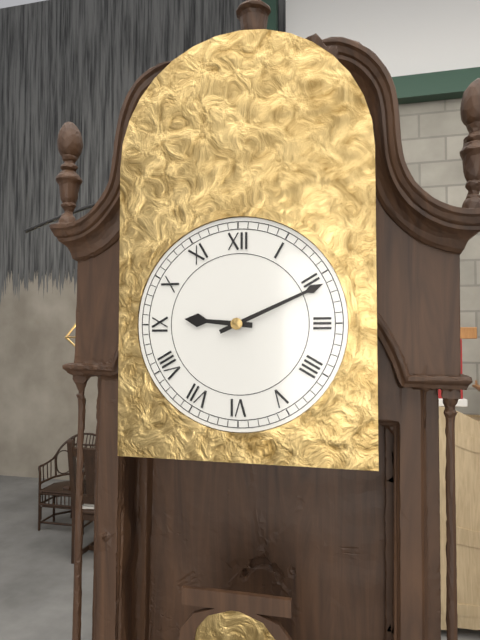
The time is 9,11
